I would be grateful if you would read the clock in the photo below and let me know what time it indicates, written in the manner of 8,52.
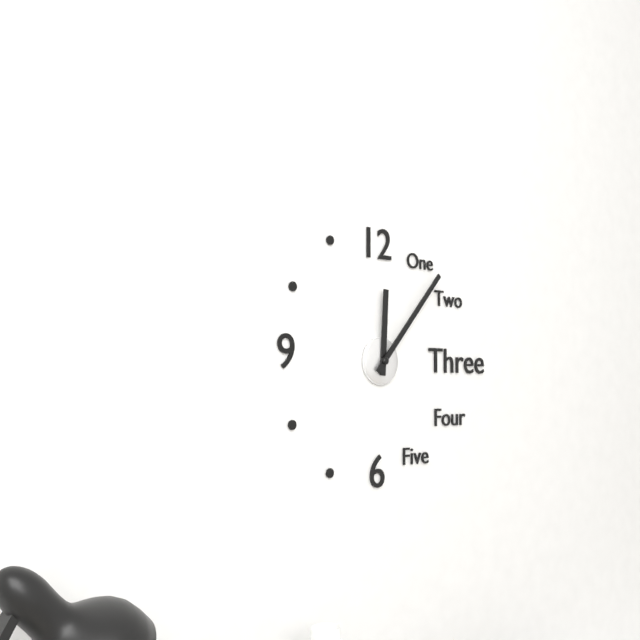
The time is 12,07
